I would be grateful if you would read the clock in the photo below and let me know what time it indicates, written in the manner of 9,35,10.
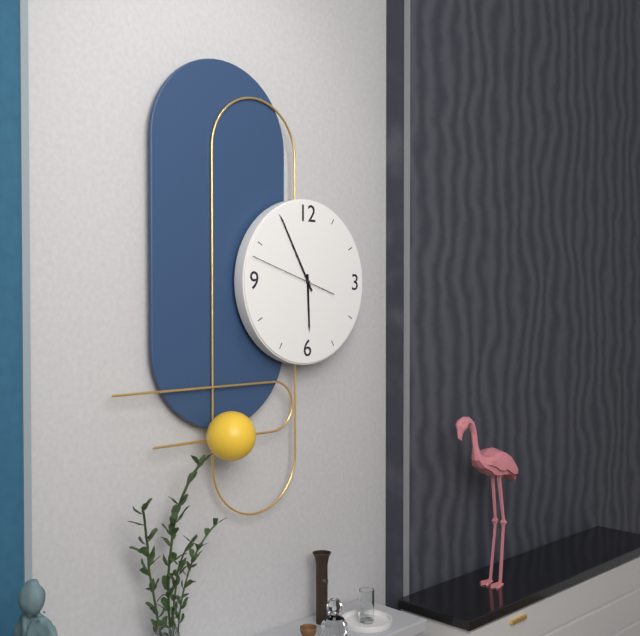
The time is 5,55,48
